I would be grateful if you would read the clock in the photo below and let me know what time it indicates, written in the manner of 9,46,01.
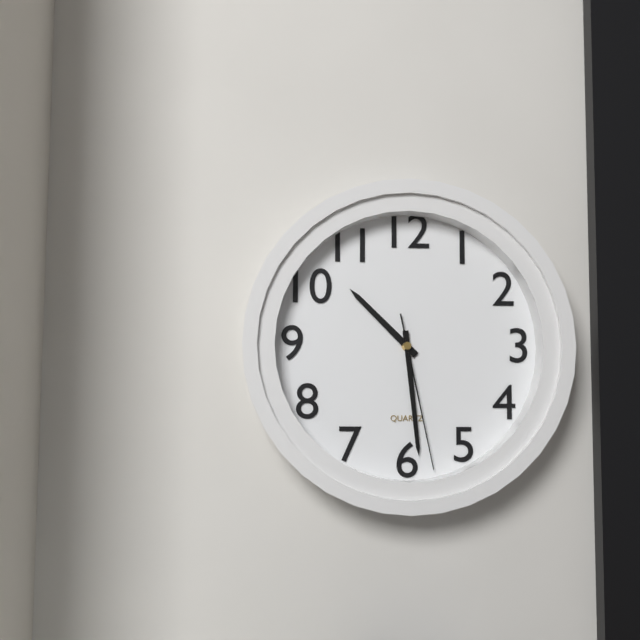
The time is 10,29,28
